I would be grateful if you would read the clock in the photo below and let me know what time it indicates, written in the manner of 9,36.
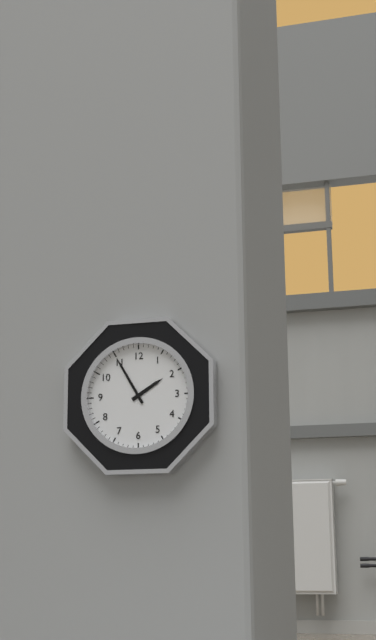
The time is 1,55
